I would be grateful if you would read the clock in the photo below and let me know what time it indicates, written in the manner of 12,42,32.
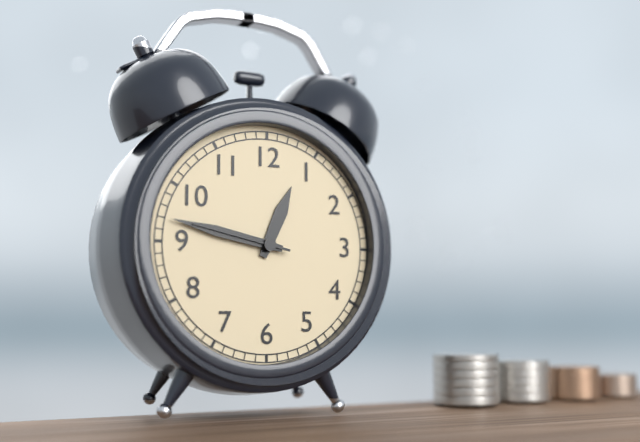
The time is 12,47,47
